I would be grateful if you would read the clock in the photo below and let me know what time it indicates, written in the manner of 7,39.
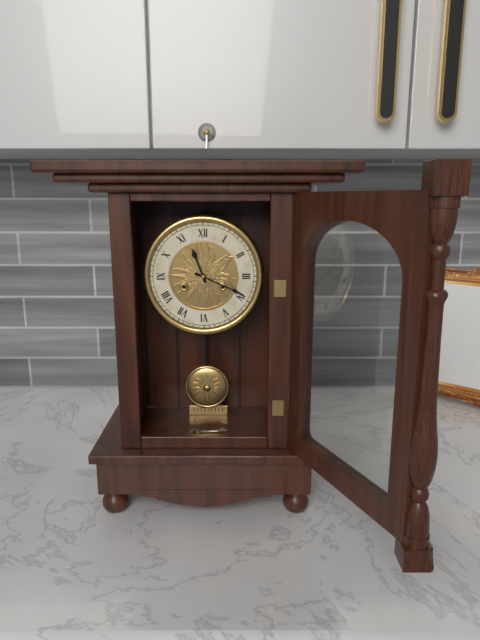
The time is 11,19
